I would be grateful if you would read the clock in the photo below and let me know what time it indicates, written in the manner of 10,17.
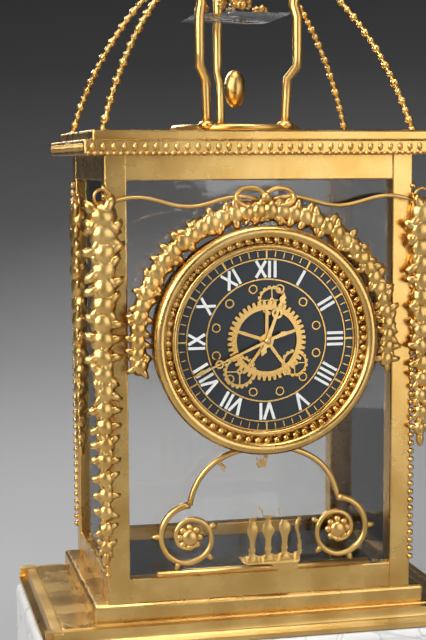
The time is 12,41
